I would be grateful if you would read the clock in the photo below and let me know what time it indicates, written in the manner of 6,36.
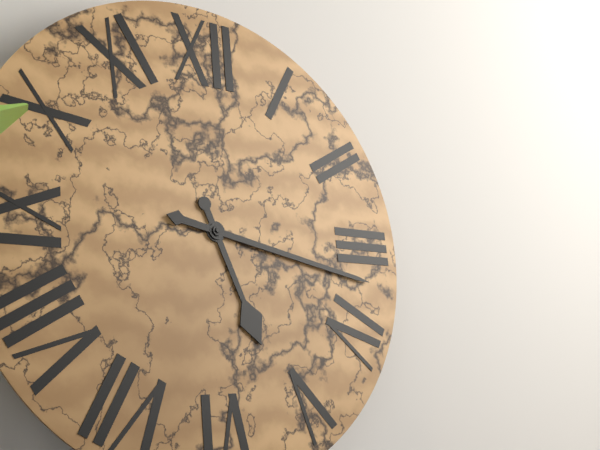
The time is 5,17
